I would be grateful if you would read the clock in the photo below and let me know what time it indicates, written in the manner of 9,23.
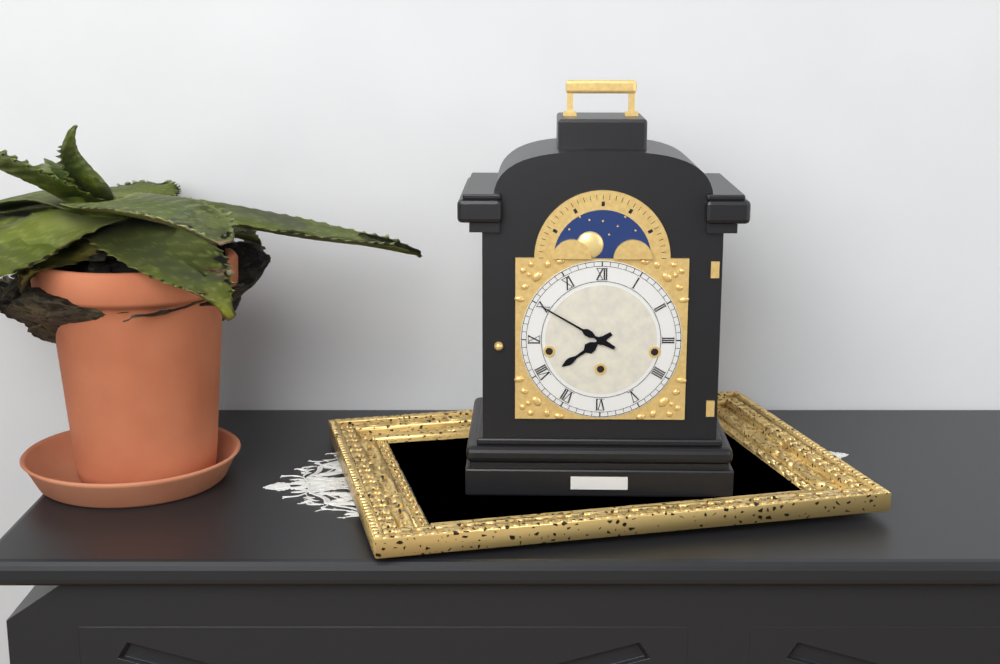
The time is 7,50
